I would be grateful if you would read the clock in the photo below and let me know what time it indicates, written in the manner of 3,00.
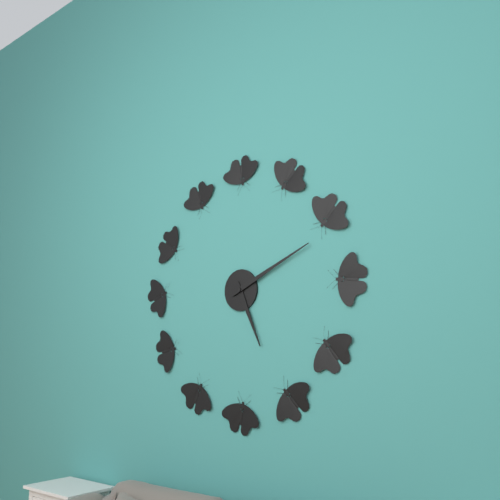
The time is 5,11
